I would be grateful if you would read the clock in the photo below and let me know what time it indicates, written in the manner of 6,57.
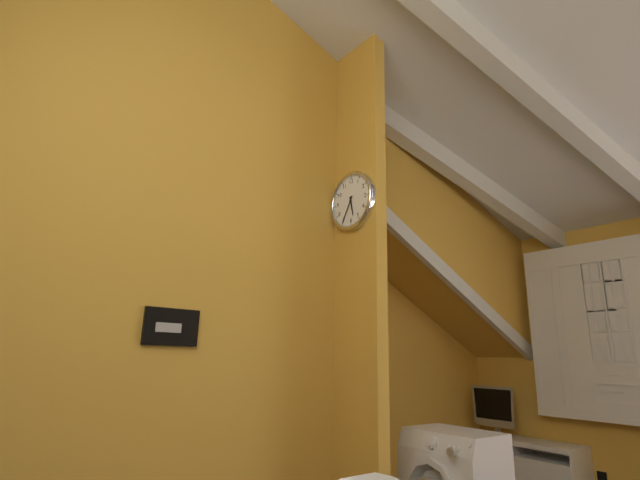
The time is 5,35
